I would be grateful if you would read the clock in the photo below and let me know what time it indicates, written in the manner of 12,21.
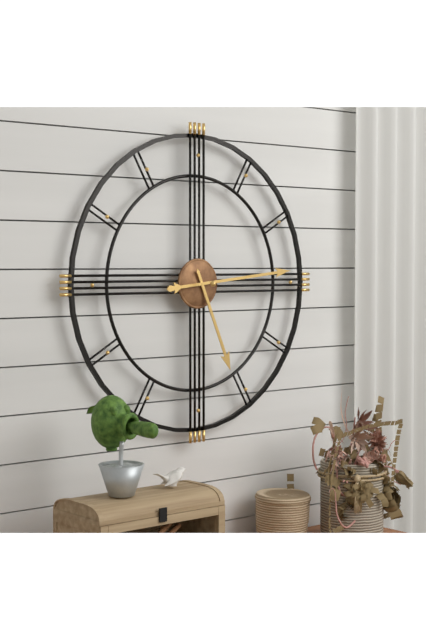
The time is 5,14
